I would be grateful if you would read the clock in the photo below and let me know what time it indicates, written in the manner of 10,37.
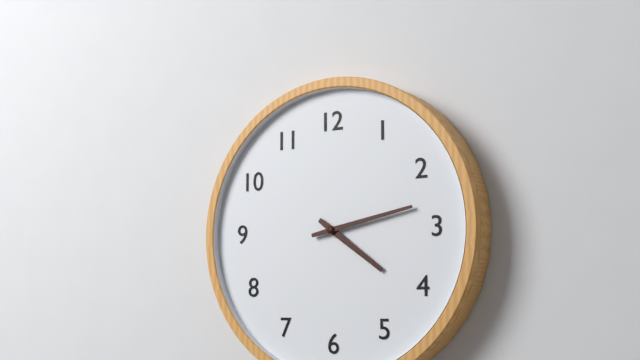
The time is 4,13
